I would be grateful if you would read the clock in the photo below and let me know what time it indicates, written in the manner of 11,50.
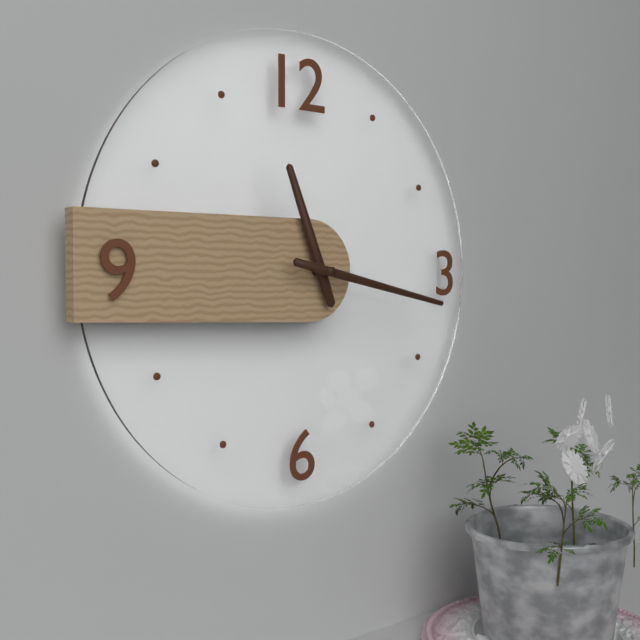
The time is 11,17
